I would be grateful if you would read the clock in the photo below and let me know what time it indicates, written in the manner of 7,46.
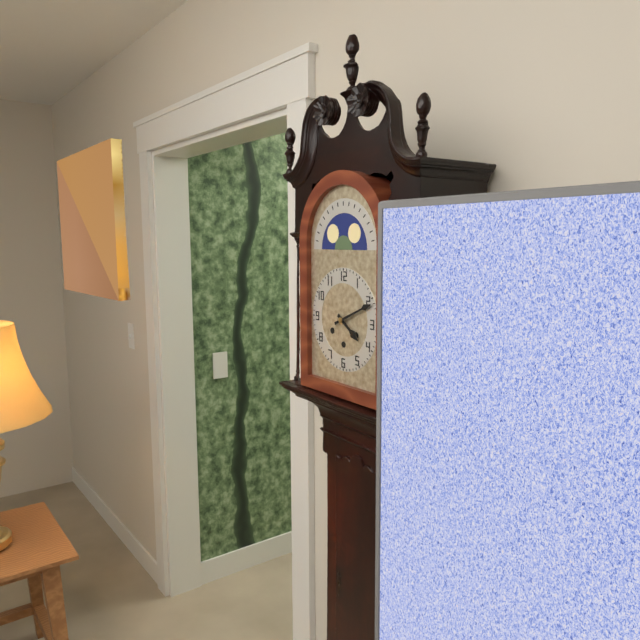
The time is 4,11
